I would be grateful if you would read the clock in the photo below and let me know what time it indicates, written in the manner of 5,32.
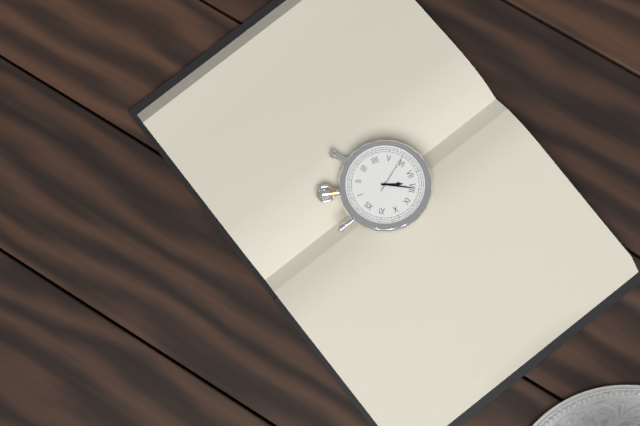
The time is 7,40
